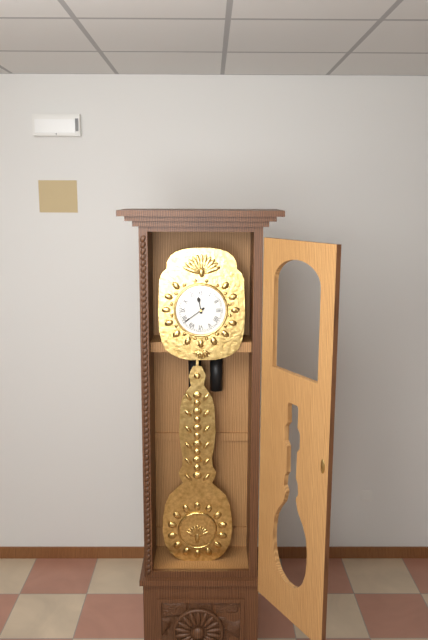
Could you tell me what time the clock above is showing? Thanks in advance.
11:39
